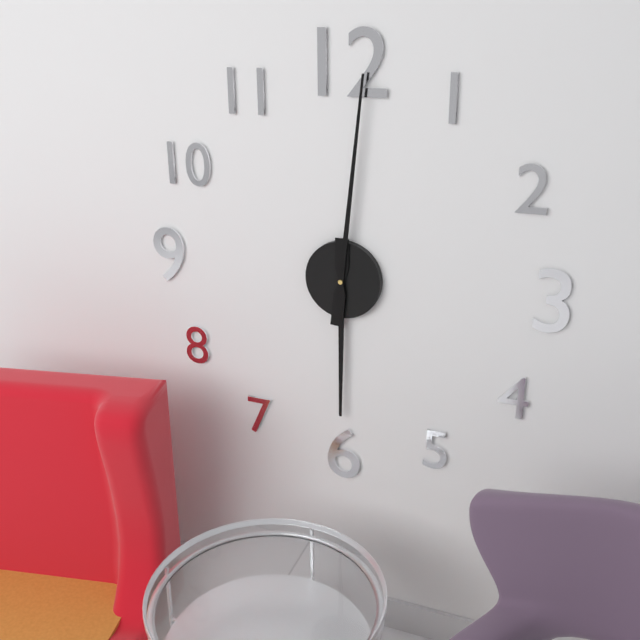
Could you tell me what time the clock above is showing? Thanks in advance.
6:01
